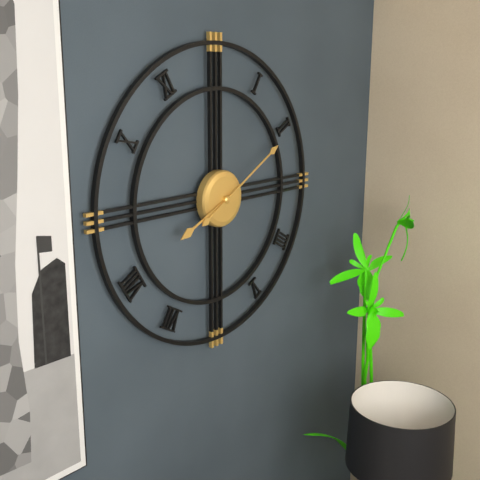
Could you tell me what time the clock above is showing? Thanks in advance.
8:10
